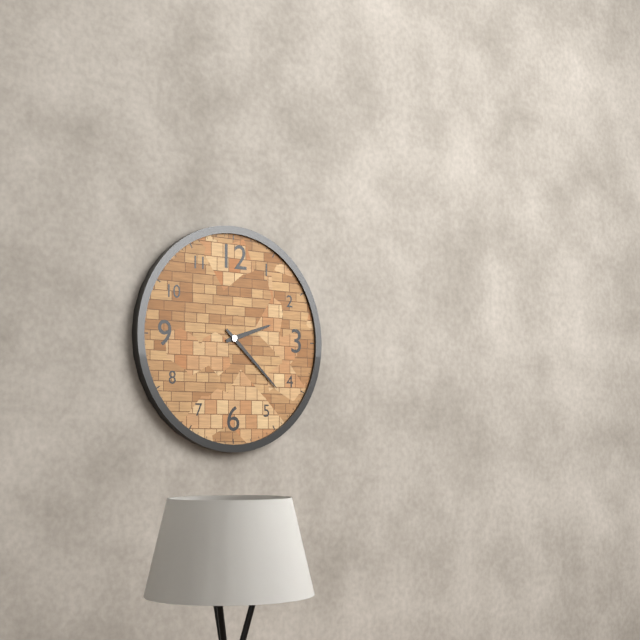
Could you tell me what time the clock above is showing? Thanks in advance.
2:22
